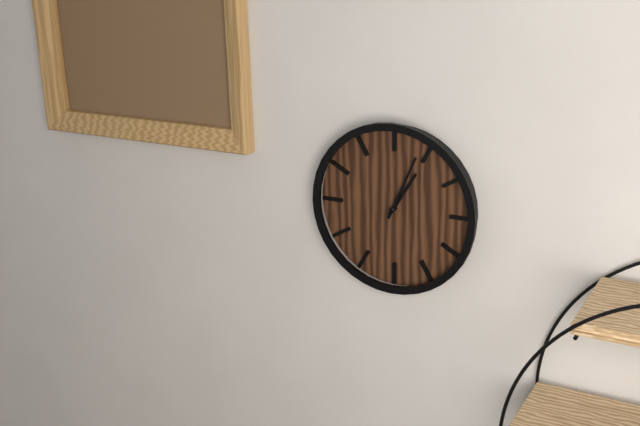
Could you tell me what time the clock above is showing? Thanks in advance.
1:04
